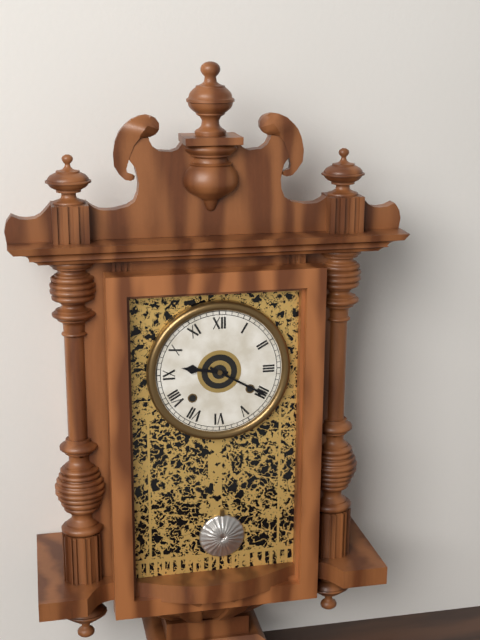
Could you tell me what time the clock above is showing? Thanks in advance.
9:20
